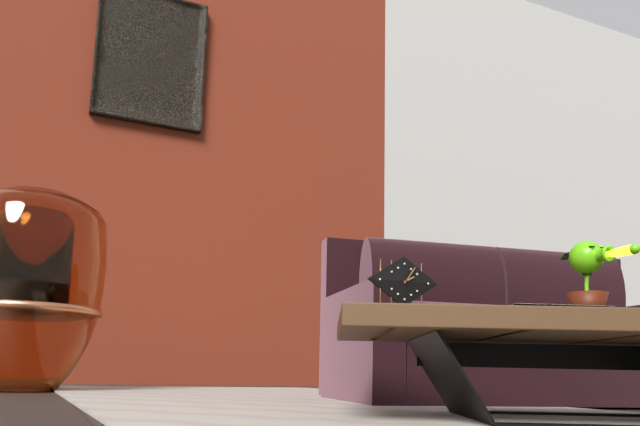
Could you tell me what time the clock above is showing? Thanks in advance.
2:06
